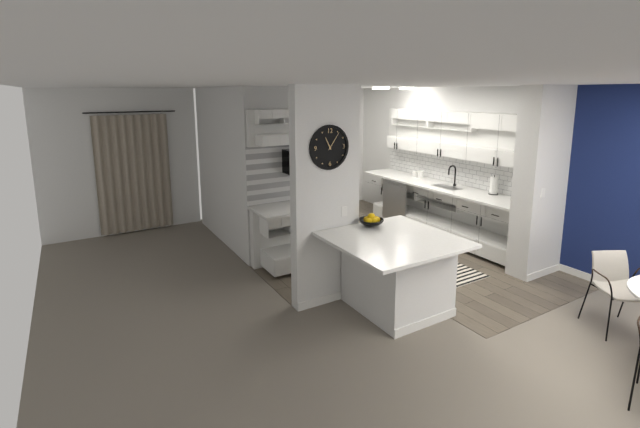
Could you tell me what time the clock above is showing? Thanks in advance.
11:06
